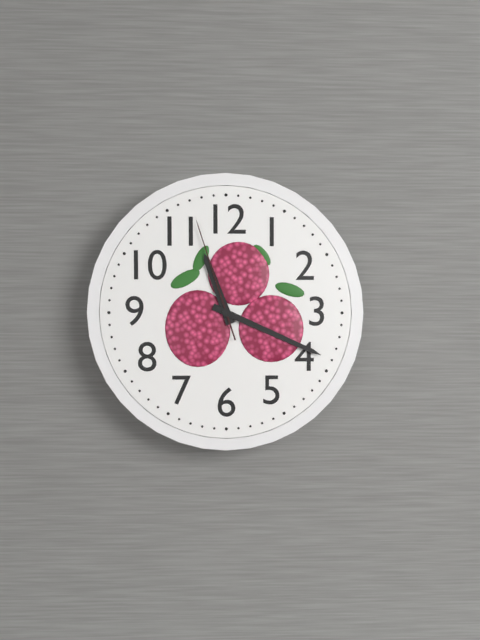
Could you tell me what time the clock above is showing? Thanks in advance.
11:19:57
